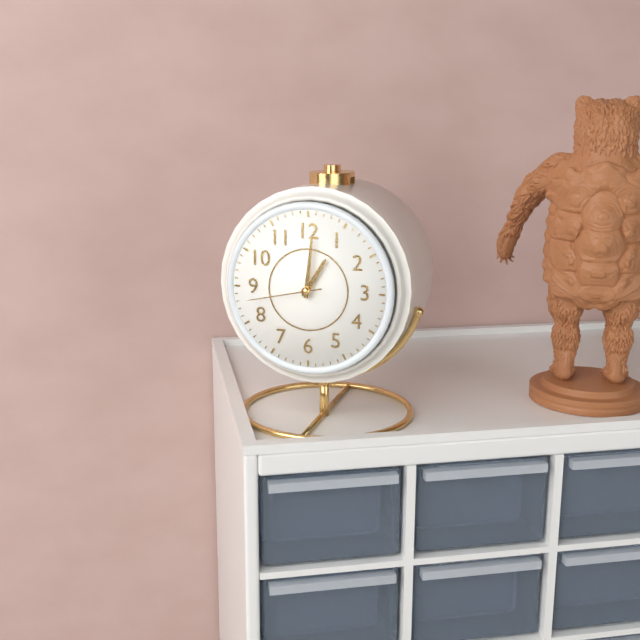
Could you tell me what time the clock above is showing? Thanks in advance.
1:01:43
